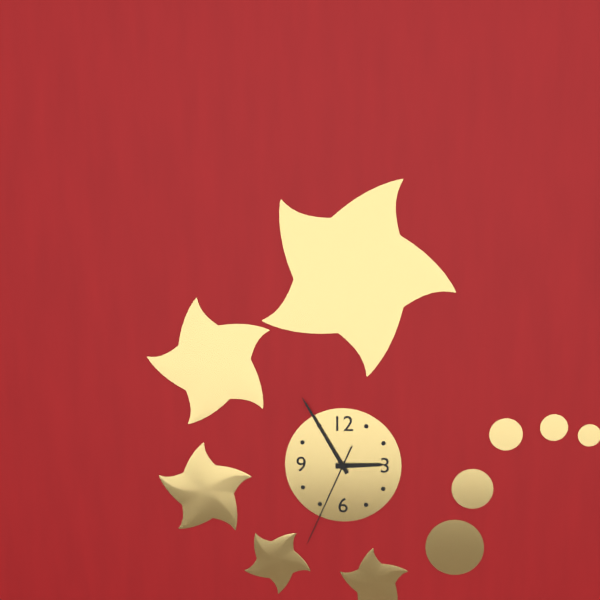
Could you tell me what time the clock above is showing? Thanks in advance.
2:55:34
